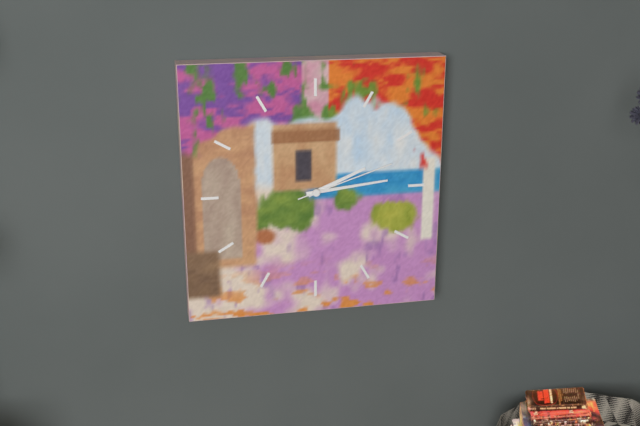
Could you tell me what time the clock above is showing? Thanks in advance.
2:14:12
